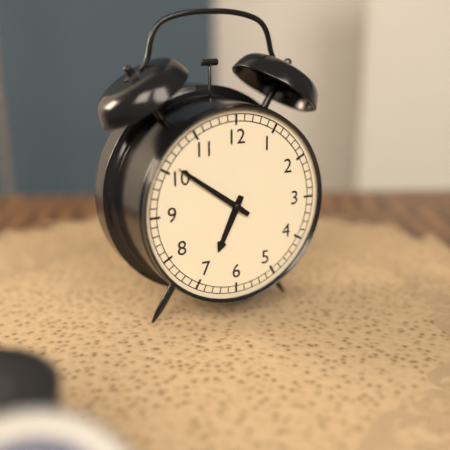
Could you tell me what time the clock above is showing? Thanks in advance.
6:51
